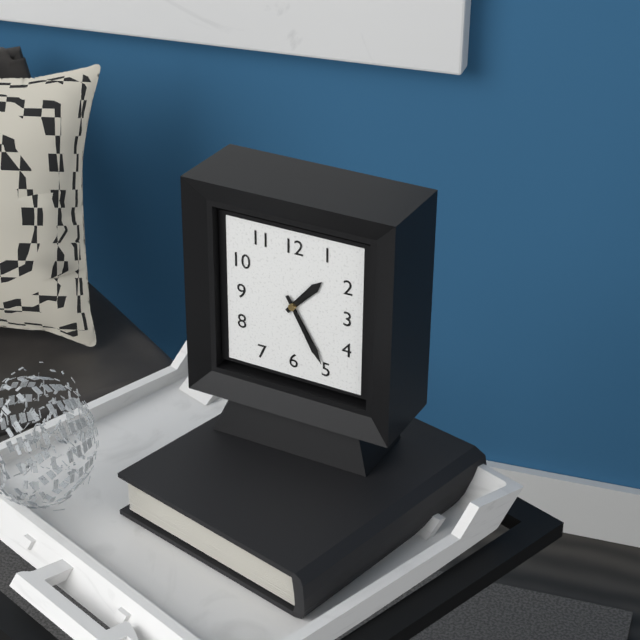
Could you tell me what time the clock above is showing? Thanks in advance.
1:25
